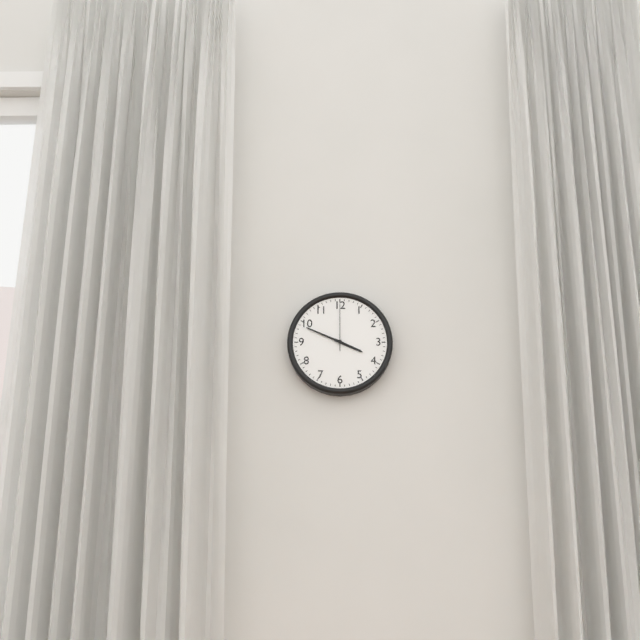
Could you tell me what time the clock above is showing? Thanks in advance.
3:49
